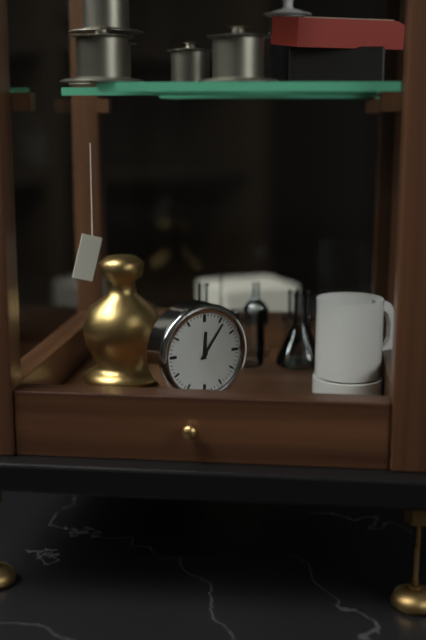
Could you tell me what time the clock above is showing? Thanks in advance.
12:06
